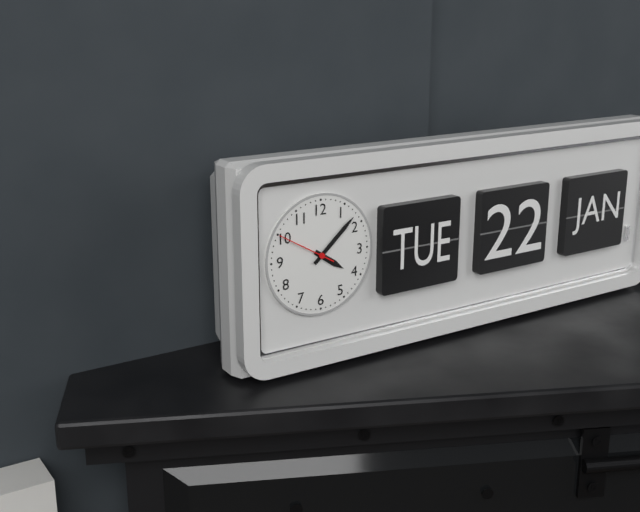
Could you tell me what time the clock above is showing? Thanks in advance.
4:08:50
